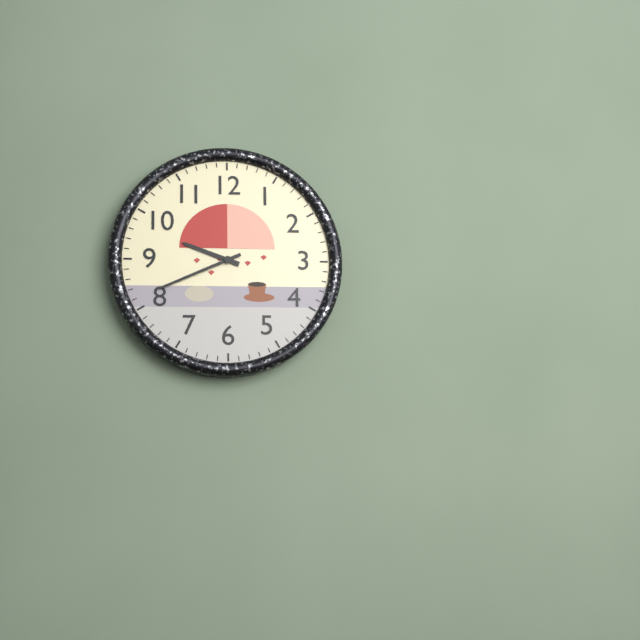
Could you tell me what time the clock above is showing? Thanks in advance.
9:41
